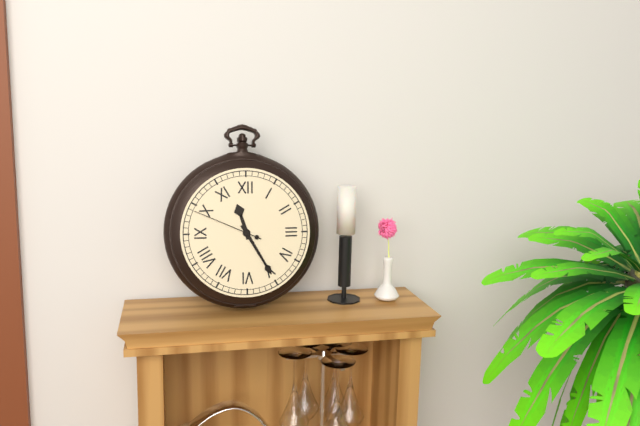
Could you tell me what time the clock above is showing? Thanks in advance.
11:25:49
